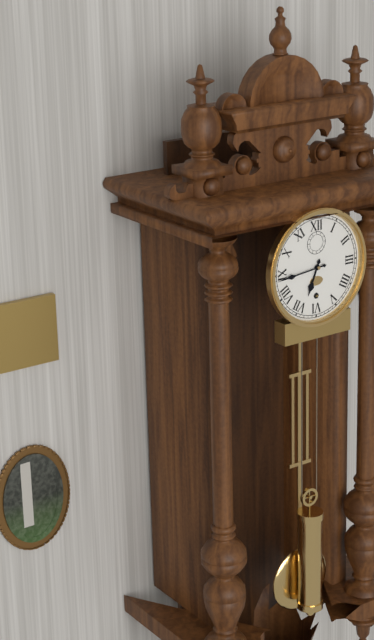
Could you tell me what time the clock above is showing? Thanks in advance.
6:44
